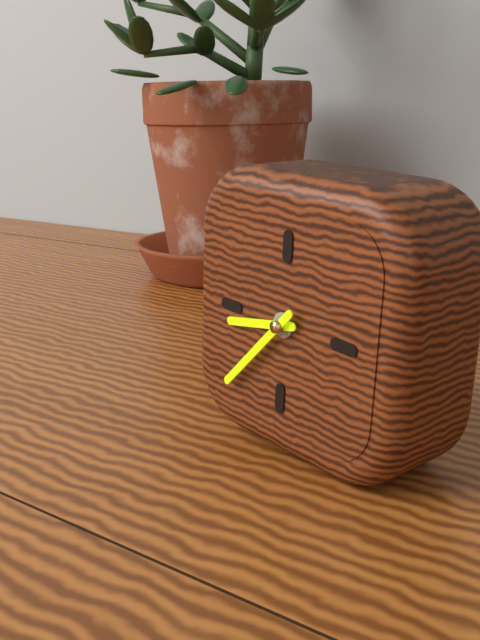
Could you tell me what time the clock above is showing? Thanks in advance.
8:37
